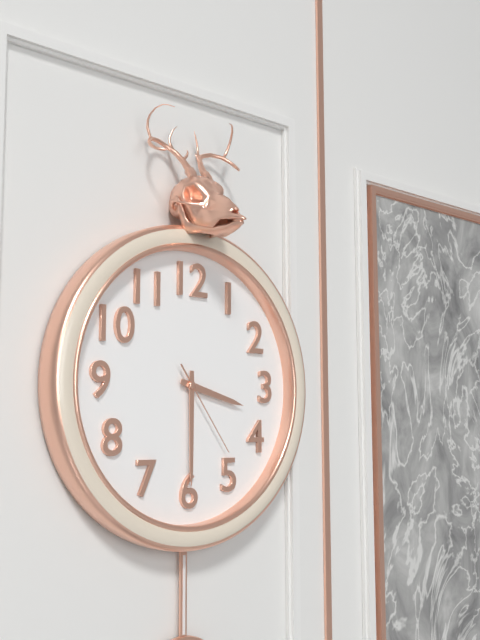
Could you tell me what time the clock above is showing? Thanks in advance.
3:30:24
